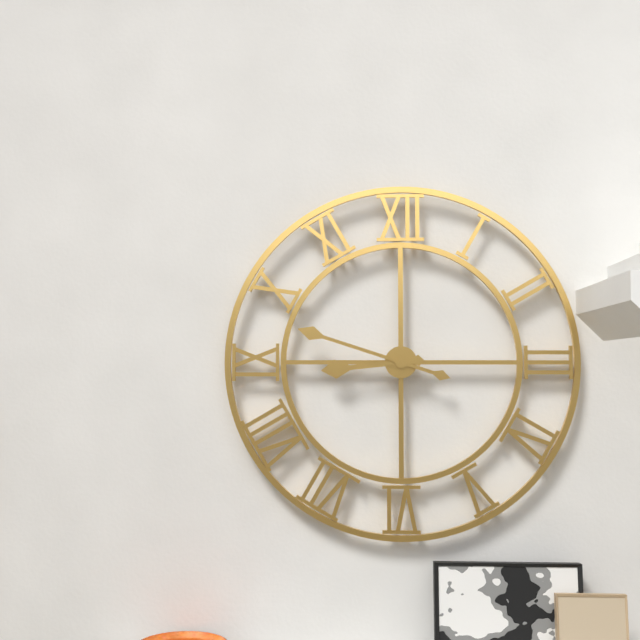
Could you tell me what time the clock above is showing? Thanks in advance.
8:48
